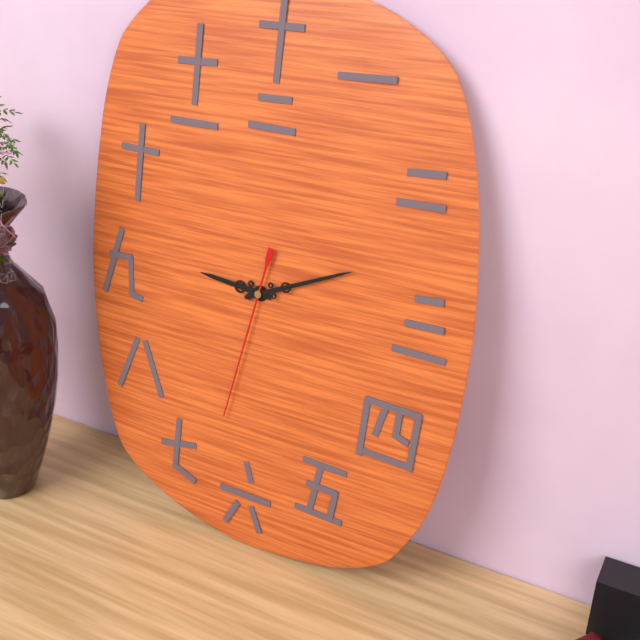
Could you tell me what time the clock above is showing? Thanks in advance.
9:11:32
